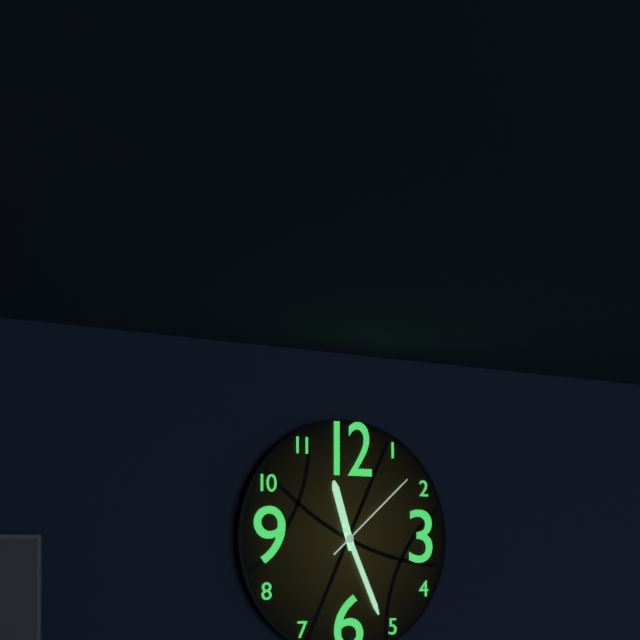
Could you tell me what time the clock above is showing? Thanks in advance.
11:26:08
